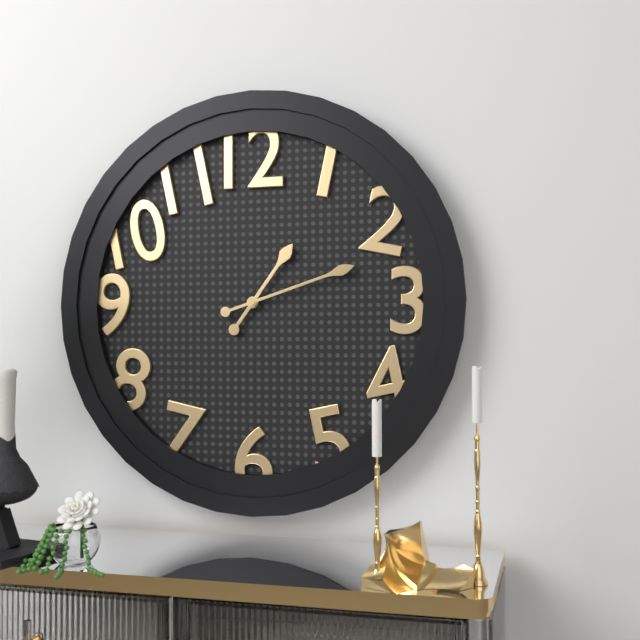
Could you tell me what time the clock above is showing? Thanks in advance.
1:12
